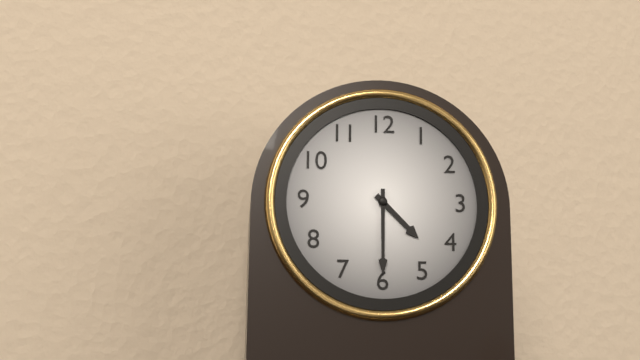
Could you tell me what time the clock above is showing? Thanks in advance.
4:30
